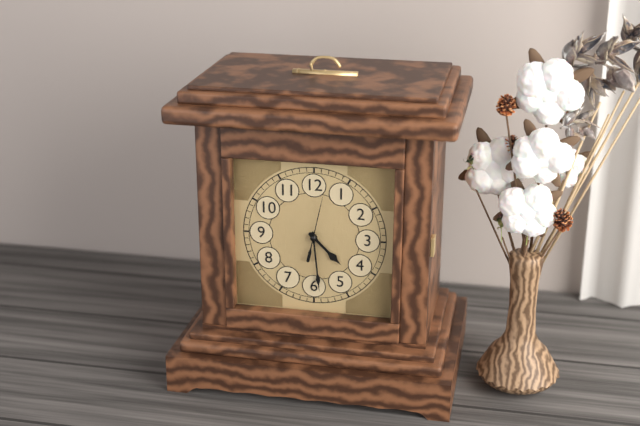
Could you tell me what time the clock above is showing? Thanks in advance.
4:29:02
